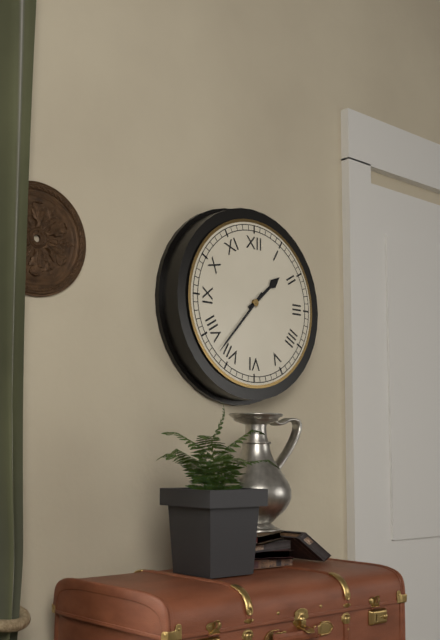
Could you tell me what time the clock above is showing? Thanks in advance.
1:37
